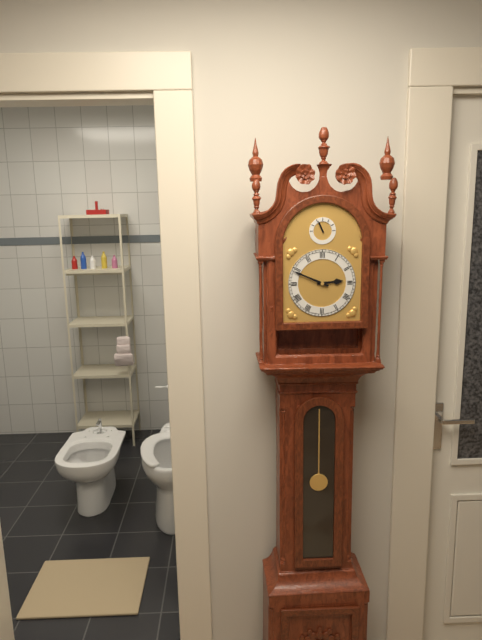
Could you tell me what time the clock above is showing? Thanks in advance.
2:49
